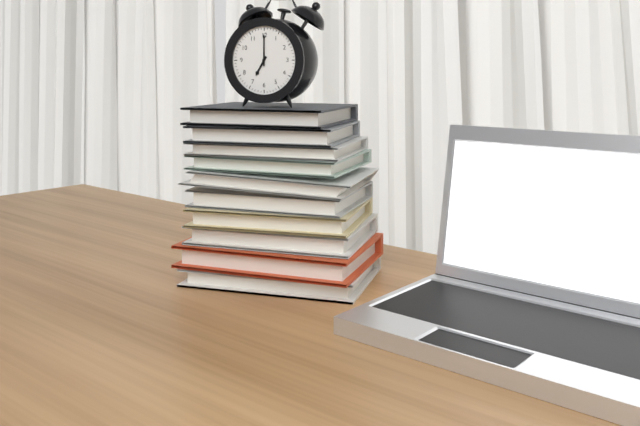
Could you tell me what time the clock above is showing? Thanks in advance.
7:00
